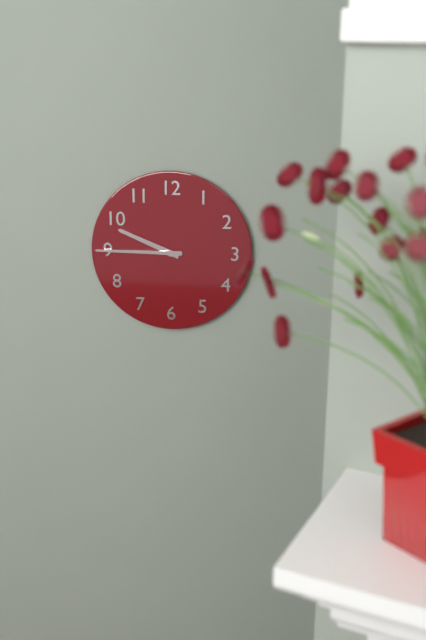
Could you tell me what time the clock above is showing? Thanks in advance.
9:45
